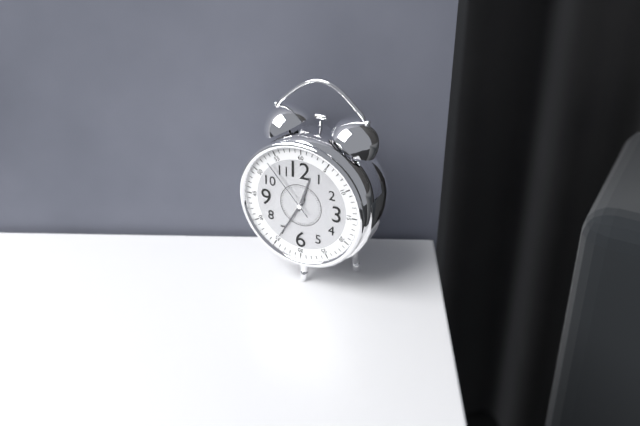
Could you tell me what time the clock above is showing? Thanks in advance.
12:35:53
